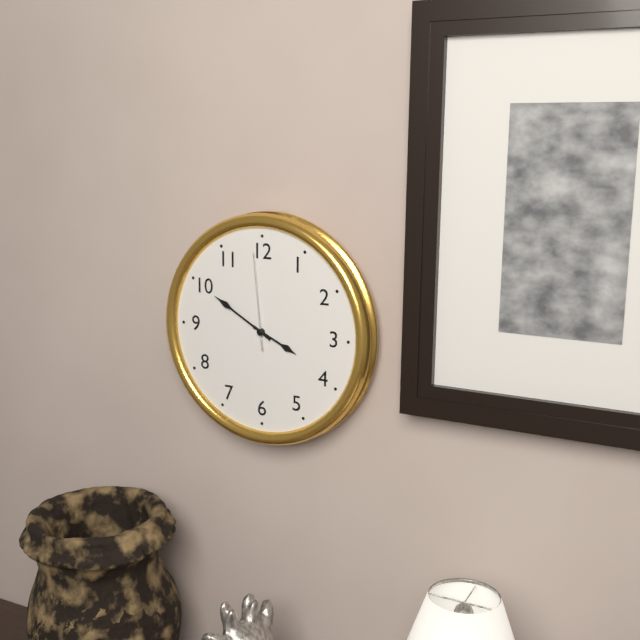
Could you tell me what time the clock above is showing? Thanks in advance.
3:50:59
